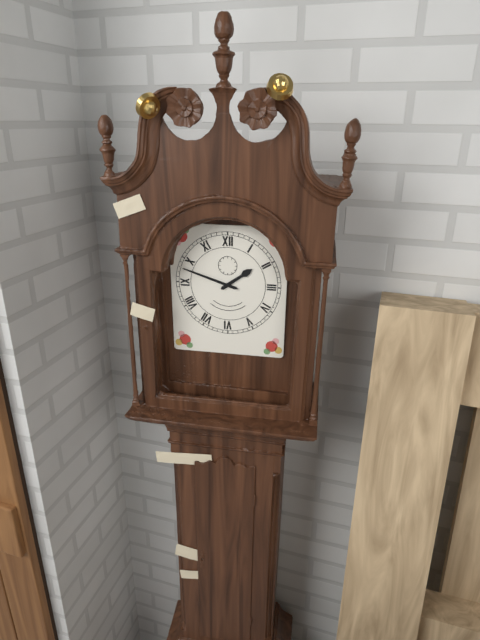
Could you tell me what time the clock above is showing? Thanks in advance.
1:48
